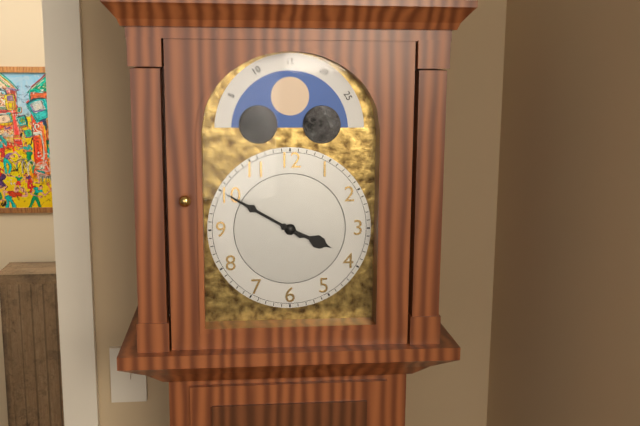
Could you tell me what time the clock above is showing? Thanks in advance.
3:50
